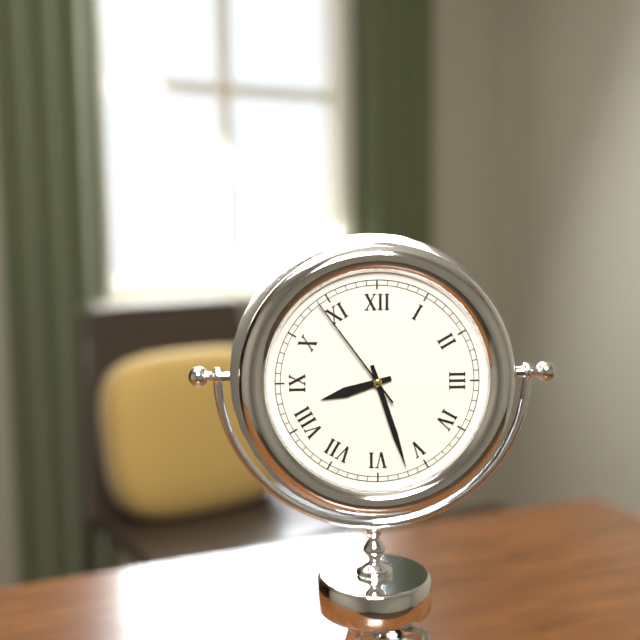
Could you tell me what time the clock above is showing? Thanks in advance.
8:27:54
